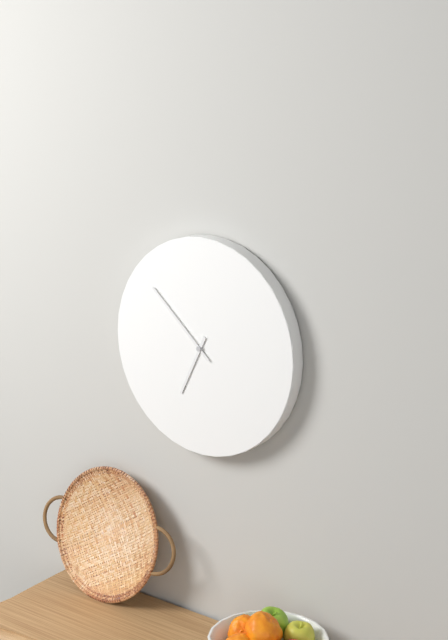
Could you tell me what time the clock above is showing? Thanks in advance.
6:52
